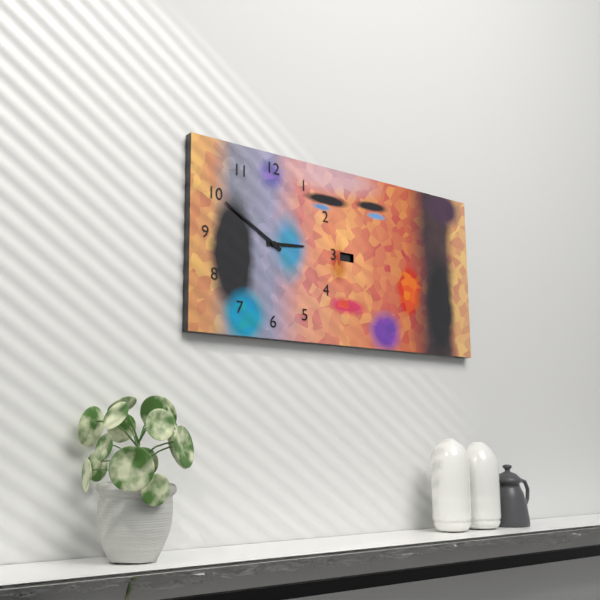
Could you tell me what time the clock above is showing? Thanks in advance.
2:50
